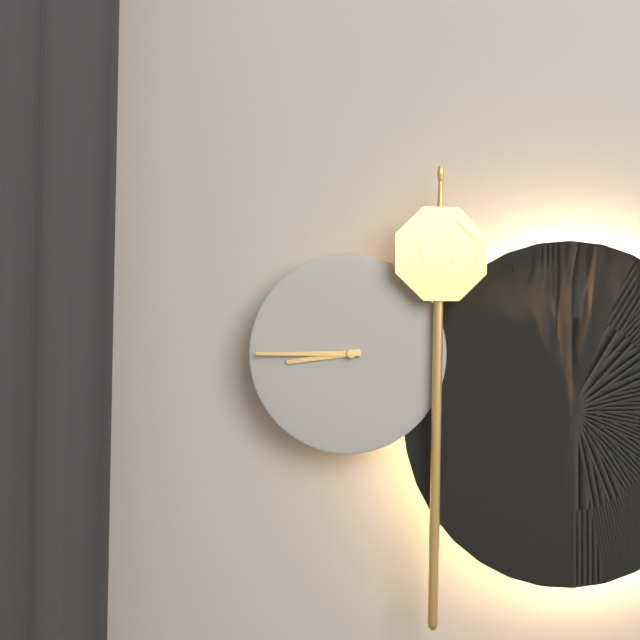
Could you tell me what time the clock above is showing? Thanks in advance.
8:45
